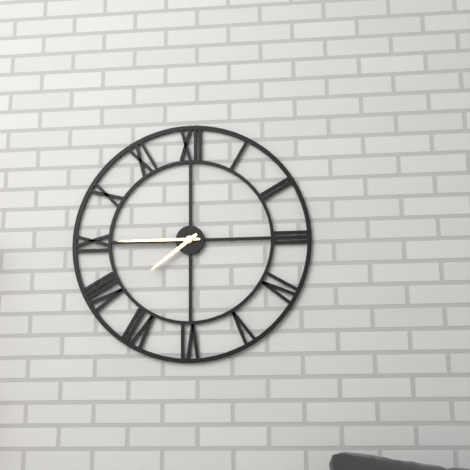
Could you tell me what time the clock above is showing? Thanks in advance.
7:45
